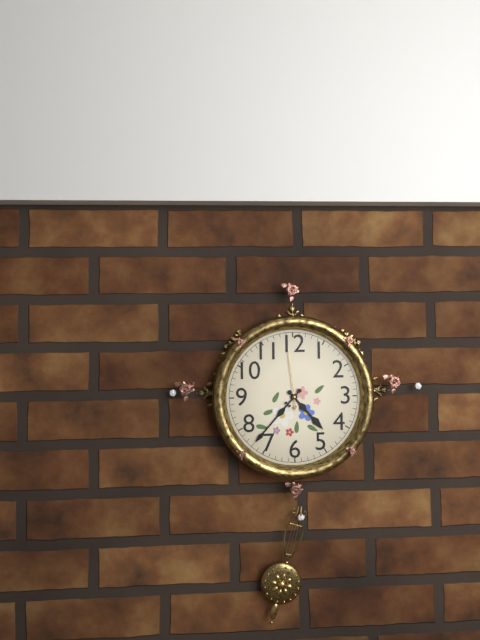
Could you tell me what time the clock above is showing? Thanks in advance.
4:37:59
